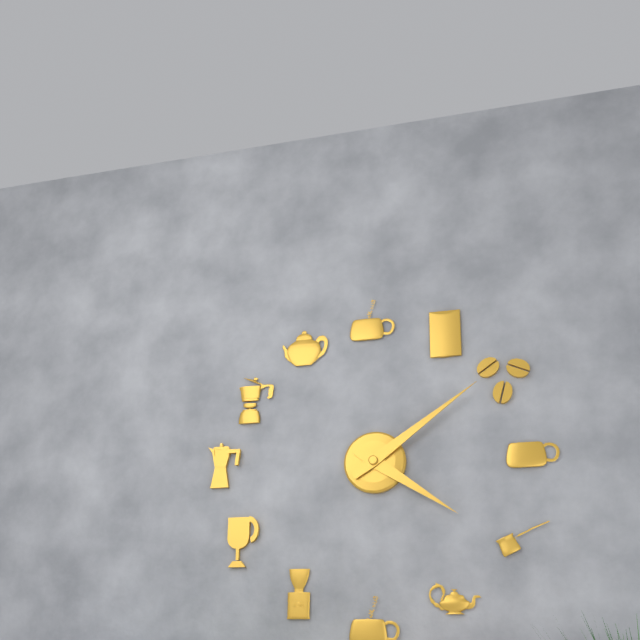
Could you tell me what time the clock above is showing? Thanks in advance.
4:09
